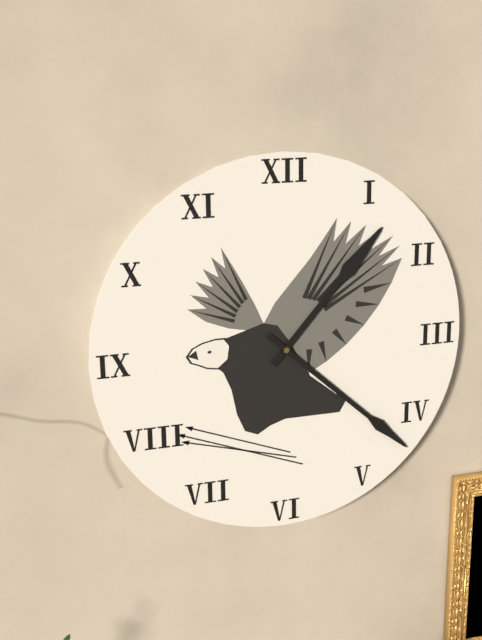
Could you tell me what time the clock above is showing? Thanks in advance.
1:22
